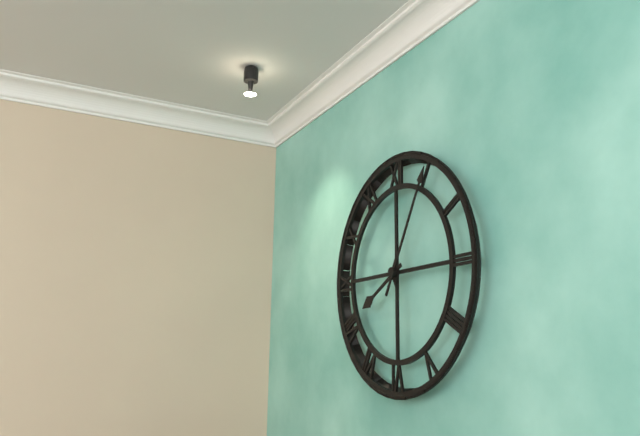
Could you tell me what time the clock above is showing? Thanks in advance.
8:05
